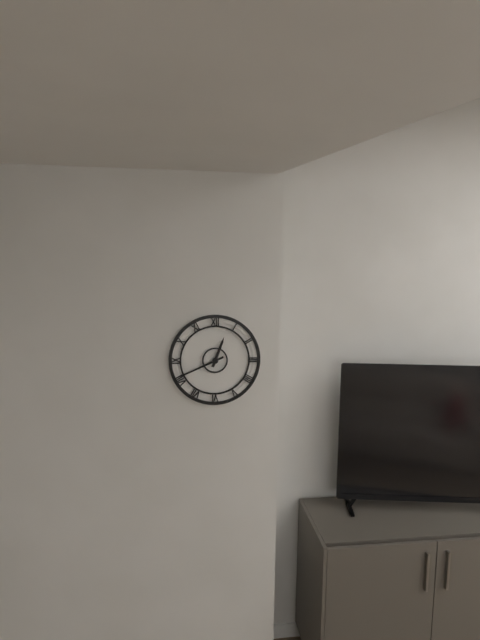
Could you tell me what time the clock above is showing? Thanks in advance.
12:41
